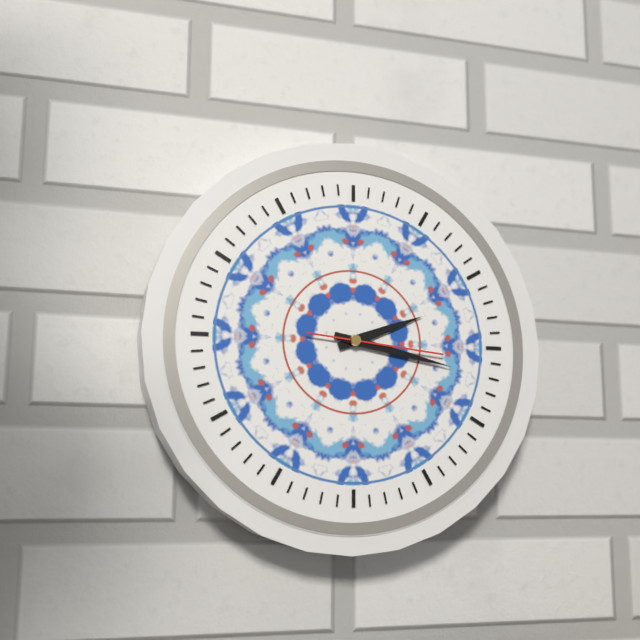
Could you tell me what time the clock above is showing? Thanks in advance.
2:17:16
